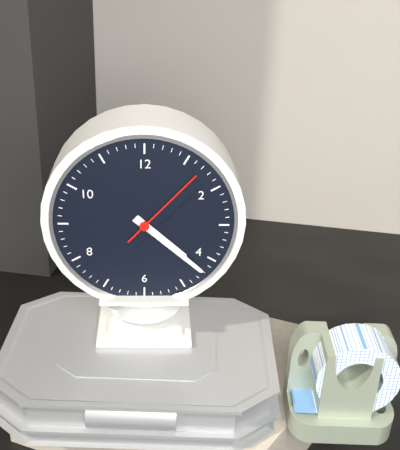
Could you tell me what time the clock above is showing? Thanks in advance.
4:22:07
